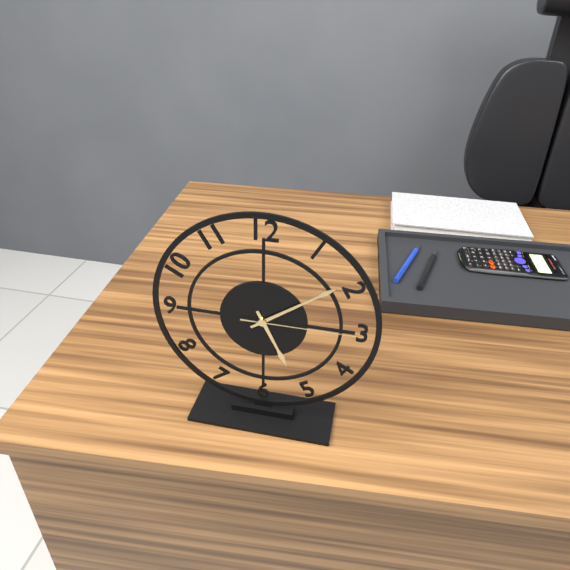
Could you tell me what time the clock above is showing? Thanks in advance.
5:09:15
